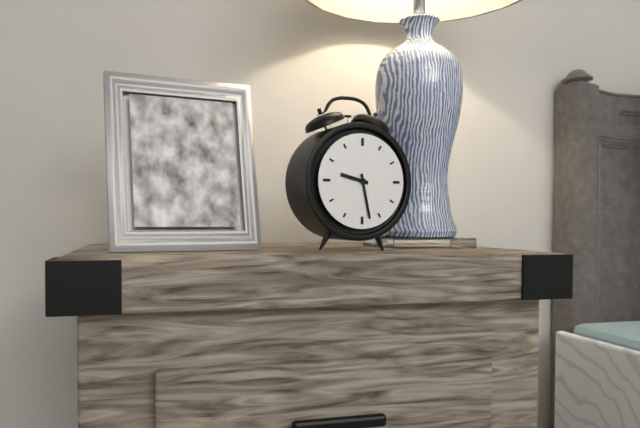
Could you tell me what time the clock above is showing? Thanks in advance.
9:28
